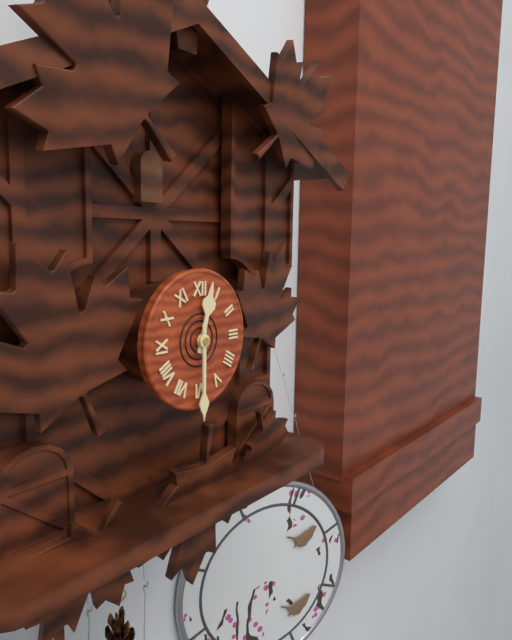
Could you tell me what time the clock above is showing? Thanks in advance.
12:30
